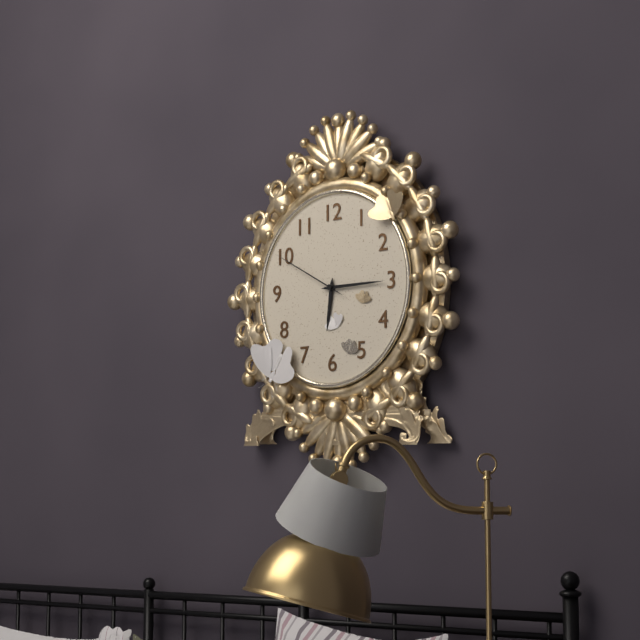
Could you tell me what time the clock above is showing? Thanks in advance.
6:15:50
